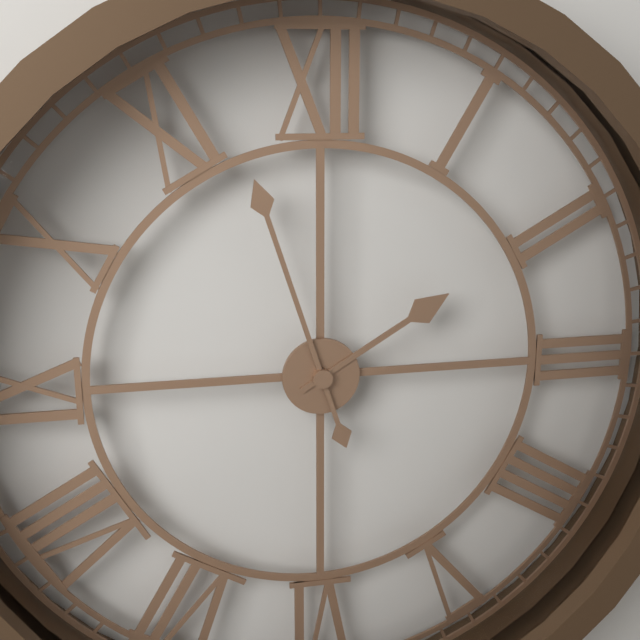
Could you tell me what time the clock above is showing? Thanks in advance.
1:57
